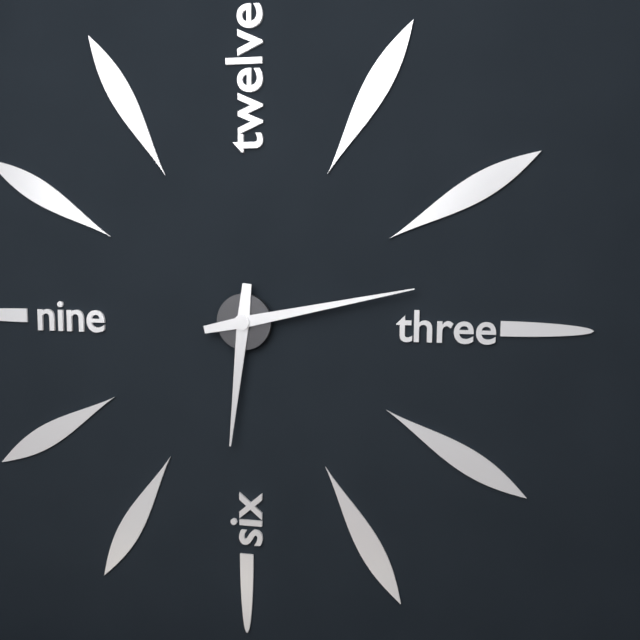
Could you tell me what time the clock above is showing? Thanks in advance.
6:13
